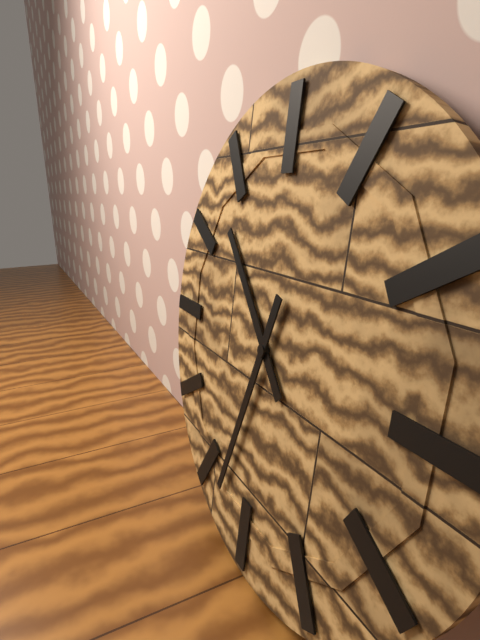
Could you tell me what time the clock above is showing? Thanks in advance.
10:33
